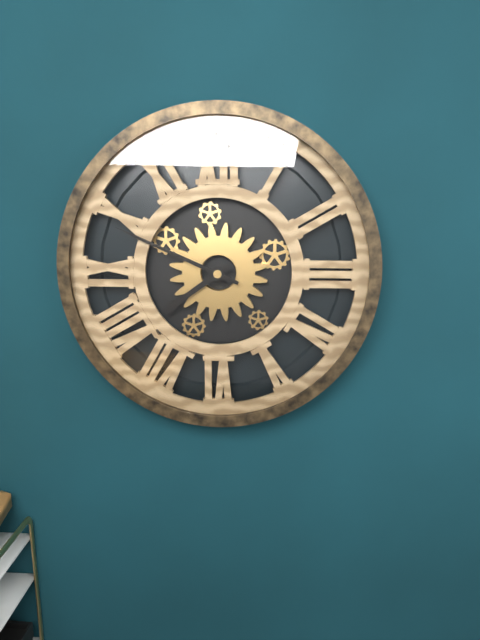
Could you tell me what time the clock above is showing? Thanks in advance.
7:49
